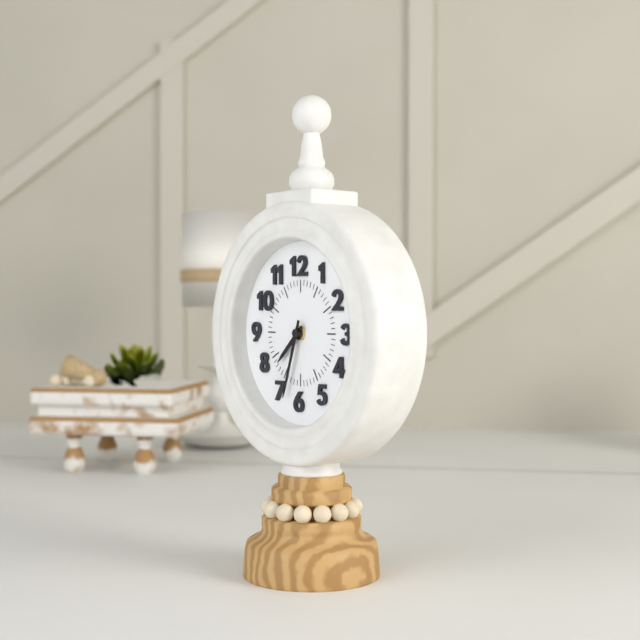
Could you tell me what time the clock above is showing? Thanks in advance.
7:33
